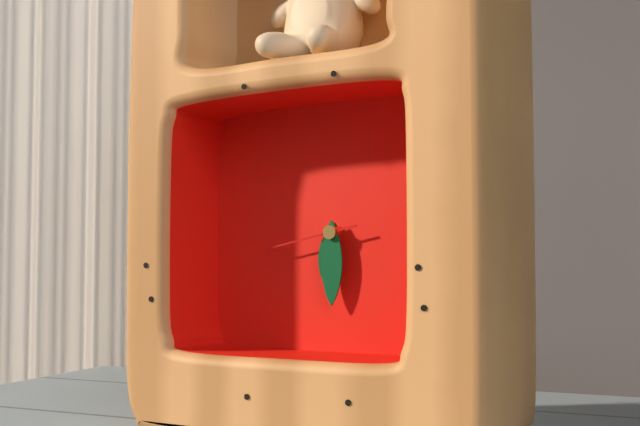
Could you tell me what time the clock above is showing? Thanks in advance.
6:30:43
